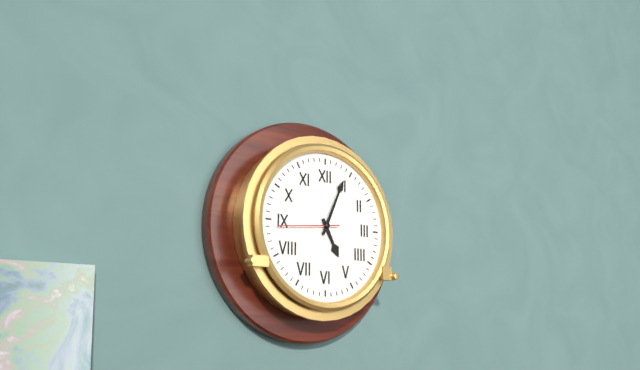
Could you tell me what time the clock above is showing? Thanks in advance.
5:04:44
